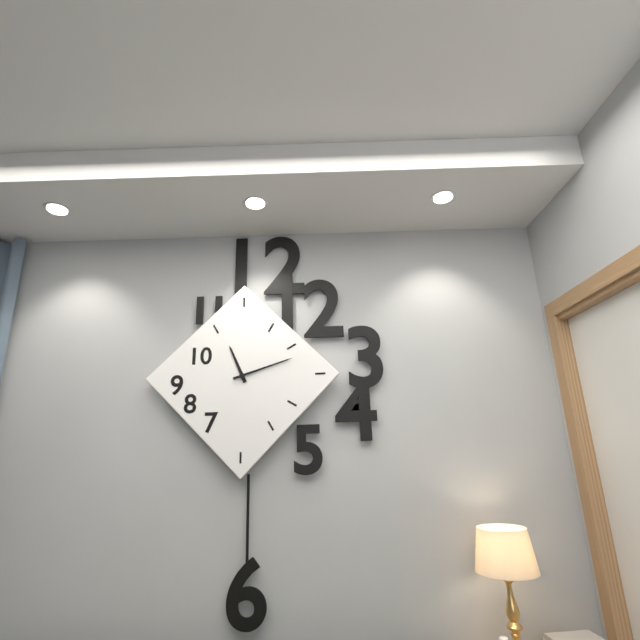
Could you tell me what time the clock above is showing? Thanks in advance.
11:12
